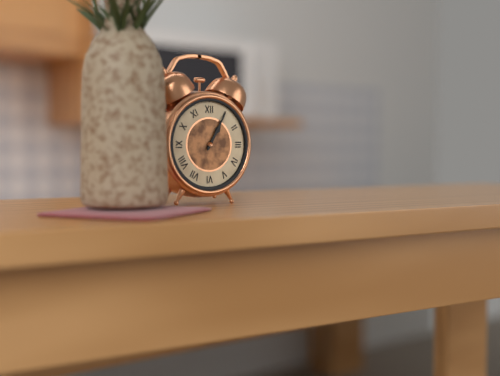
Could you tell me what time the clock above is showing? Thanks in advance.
1:05
